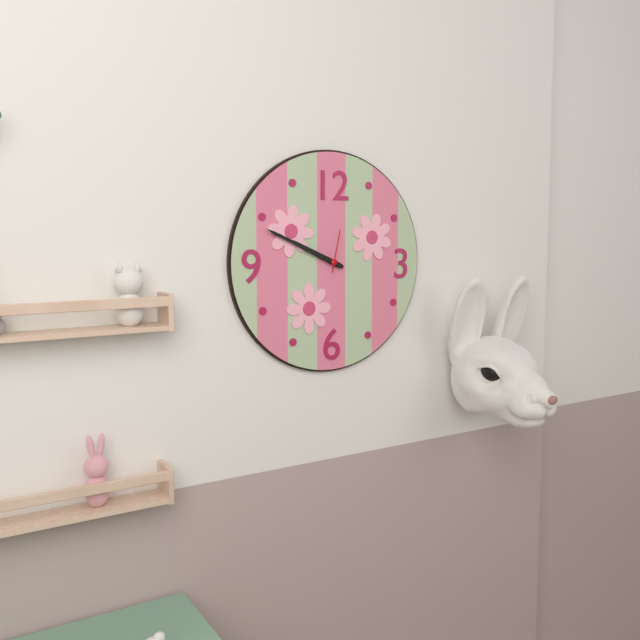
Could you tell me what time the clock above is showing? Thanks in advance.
9:49
